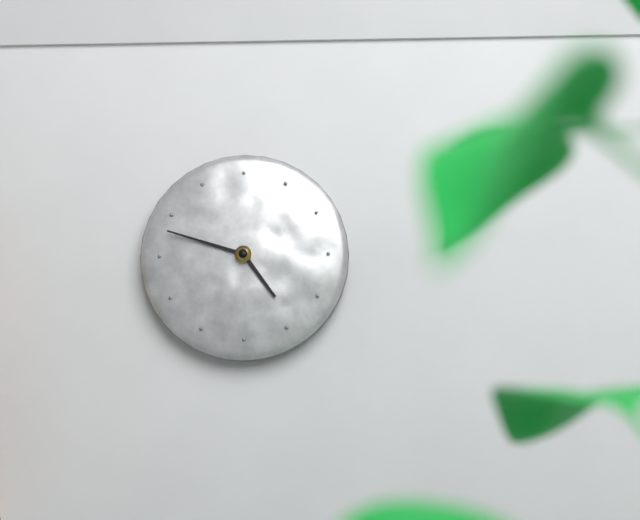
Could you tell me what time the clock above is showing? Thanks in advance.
4:48
